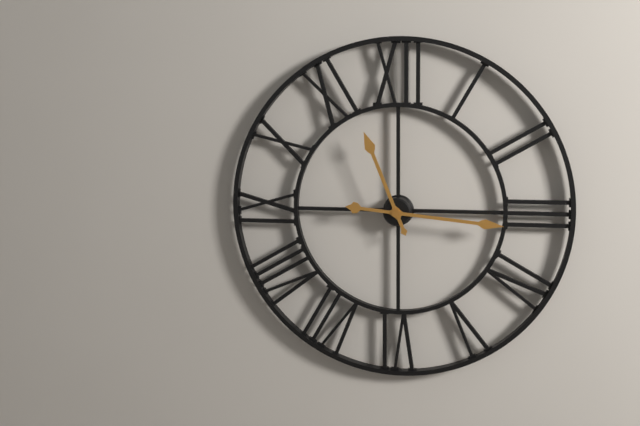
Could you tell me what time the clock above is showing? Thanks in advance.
11:16
